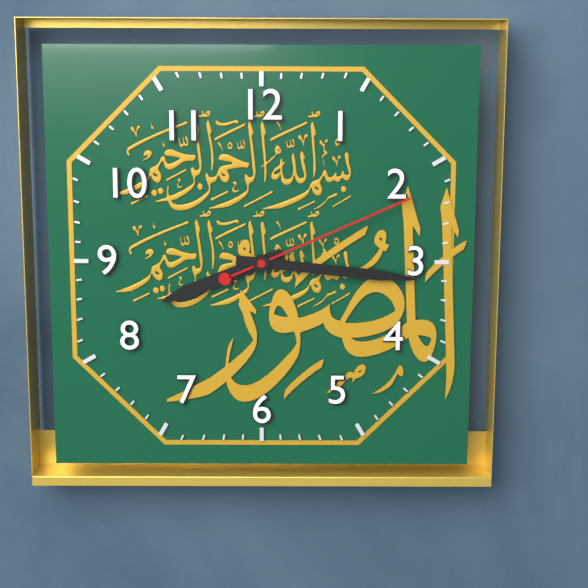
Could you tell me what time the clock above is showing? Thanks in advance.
8:16:11
